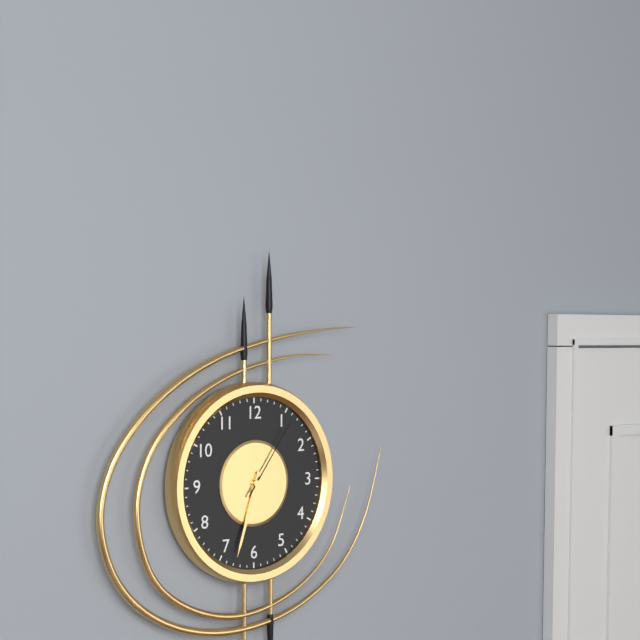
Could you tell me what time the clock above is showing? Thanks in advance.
6:33:06
